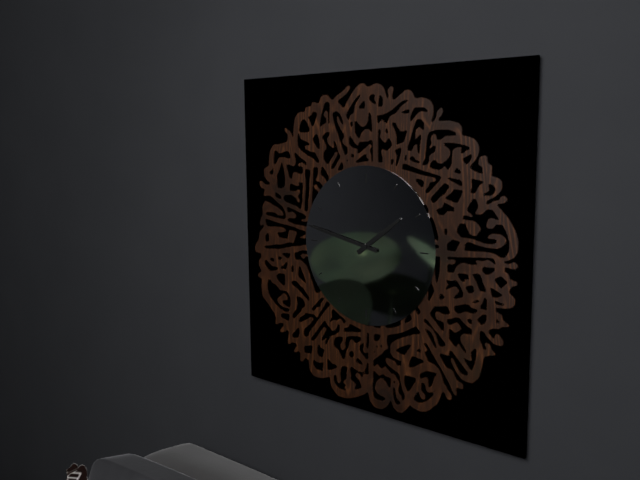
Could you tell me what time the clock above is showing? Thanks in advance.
1:47
